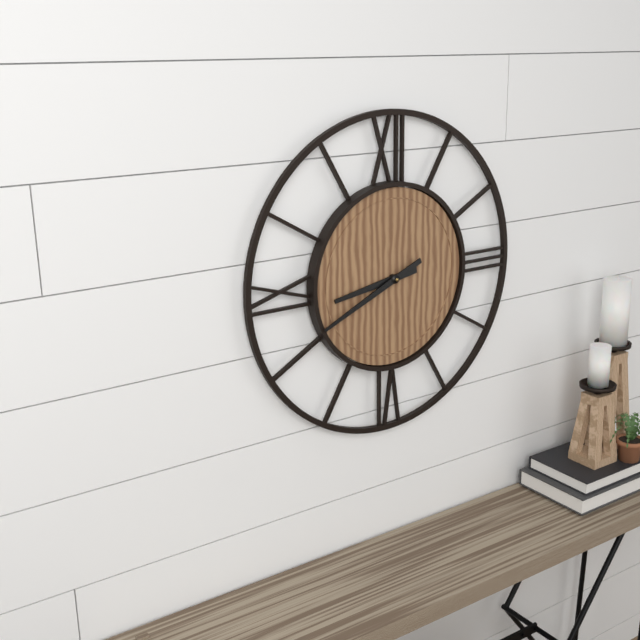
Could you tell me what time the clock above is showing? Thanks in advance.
8:41
